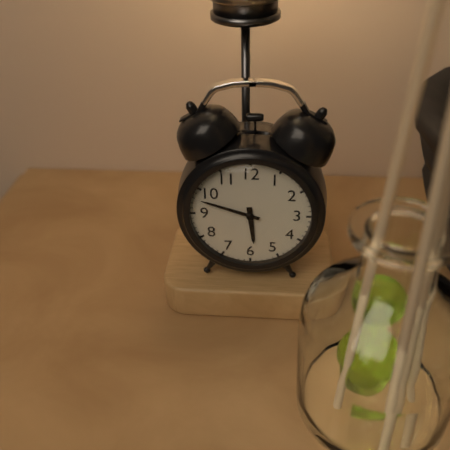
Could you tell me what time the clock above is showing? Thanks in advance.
5:48
